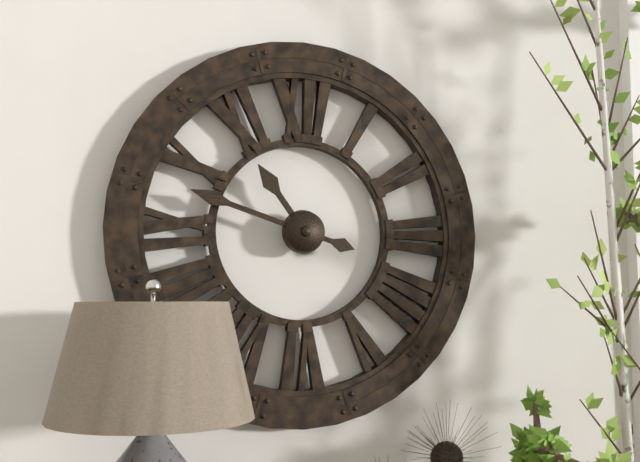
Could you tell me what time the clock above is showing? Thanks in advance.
10:48
